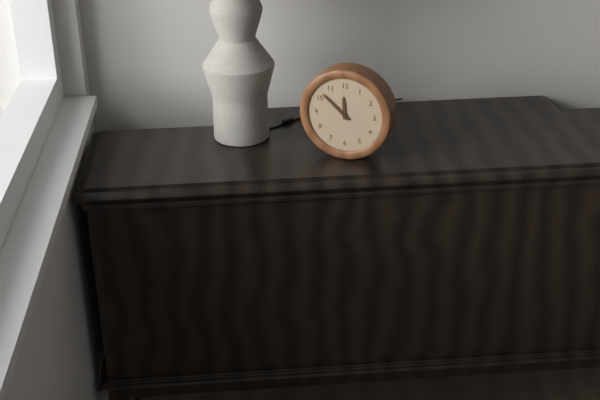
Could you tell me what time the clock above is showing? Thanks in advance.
11:52
